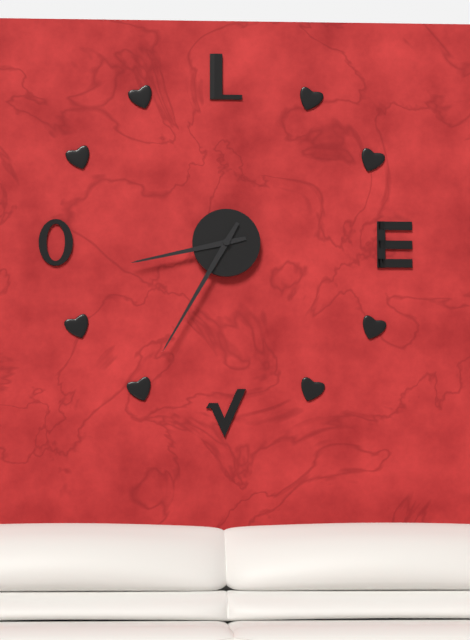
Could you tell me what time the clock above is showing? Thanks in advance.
8:35
